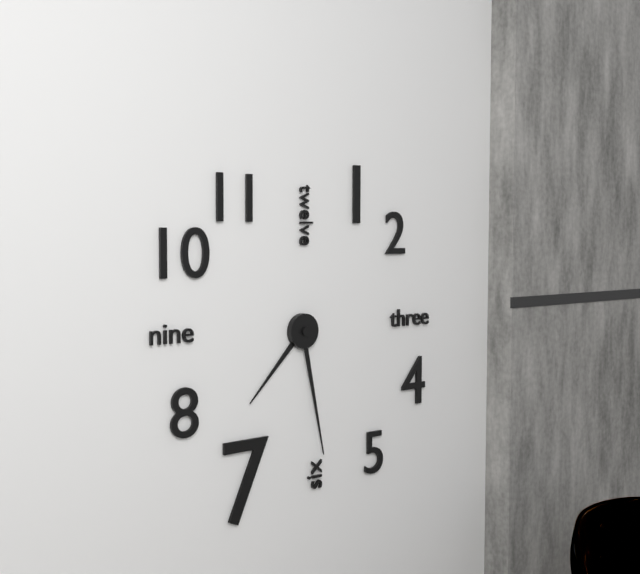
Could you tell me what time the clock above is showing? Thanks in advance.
7:28
